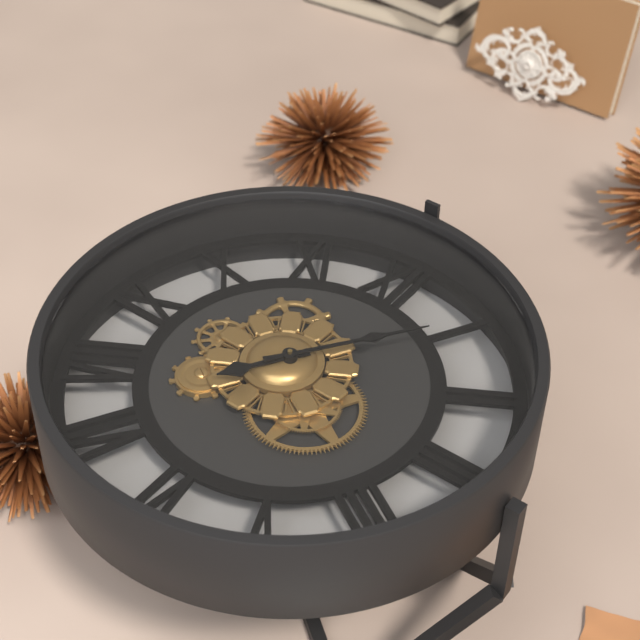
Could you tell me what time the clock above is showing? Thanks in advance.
7:06
